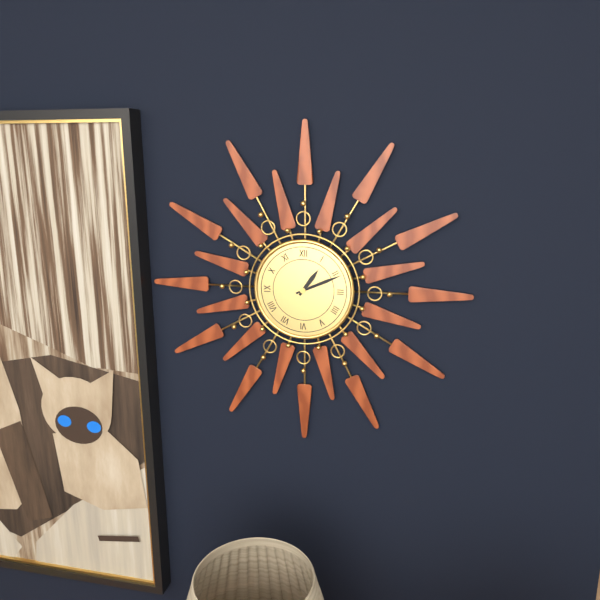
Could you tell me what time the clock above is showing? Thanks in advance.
1:11
